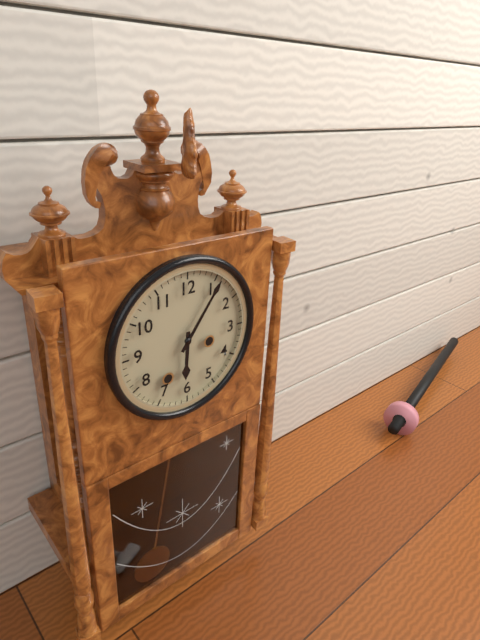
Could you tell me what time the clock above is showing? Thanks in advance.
6:06
